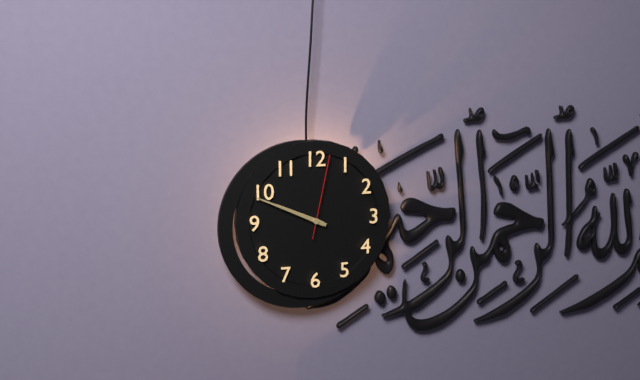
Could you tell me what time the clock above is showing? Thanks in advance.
9:49:02
